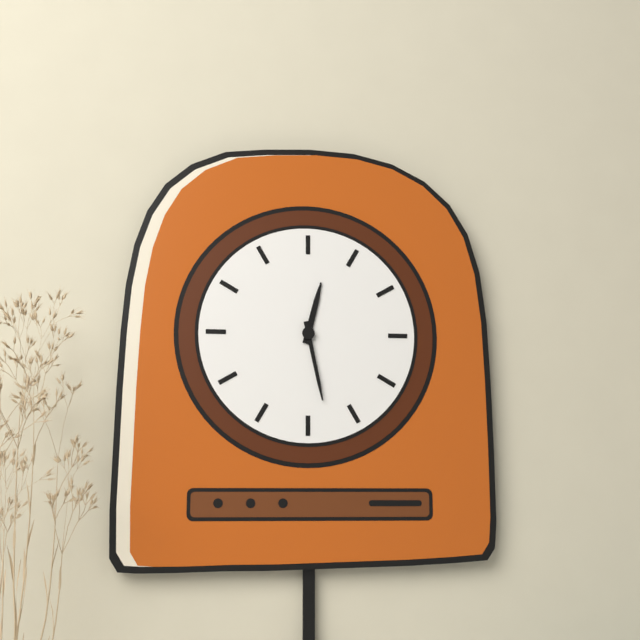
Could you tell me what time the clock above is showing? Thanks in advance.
12:28
